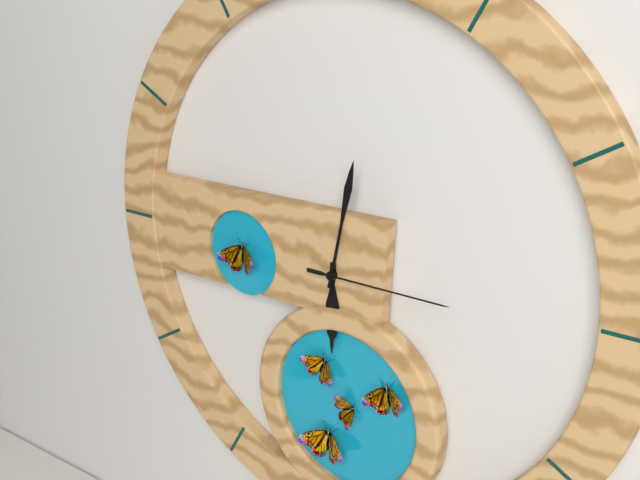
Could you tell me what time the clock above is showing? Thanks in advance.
6:02:15
